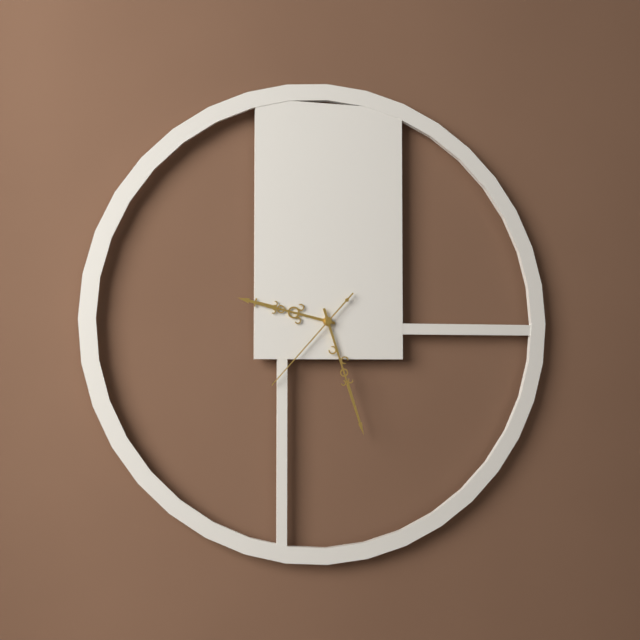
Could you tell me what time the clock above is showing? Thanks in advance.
9:27:37
